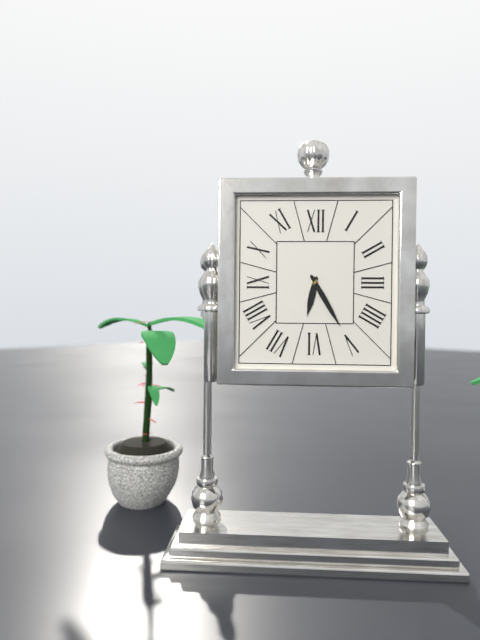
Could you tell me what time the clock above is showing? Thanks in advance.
6:25
